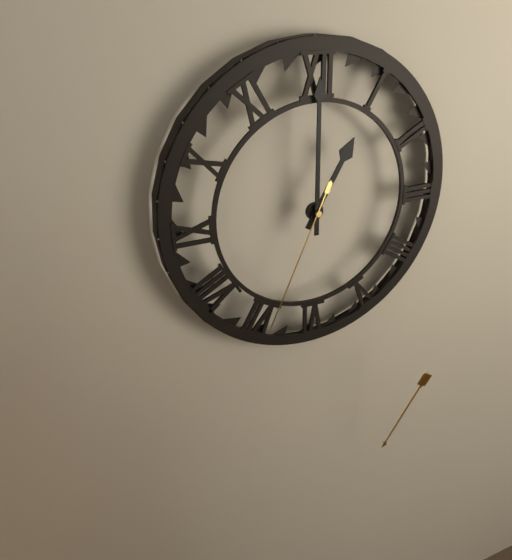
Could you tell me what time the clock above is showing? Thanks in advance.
1:00:34
